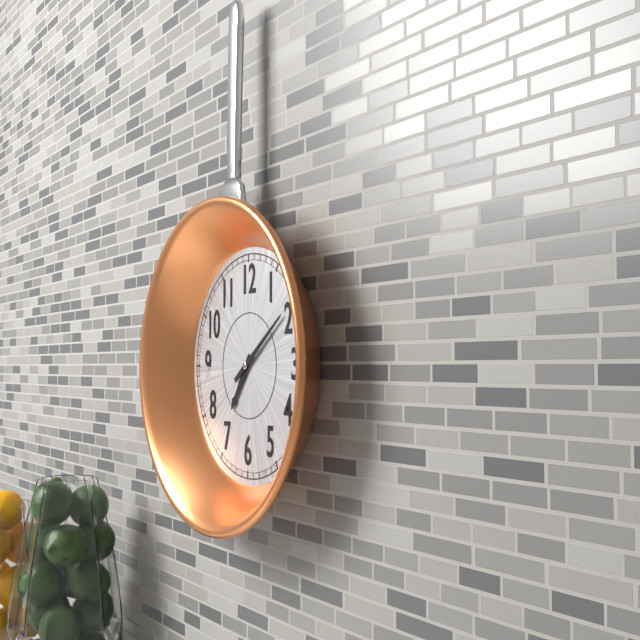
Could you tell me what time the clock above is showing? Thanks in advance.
7:09
